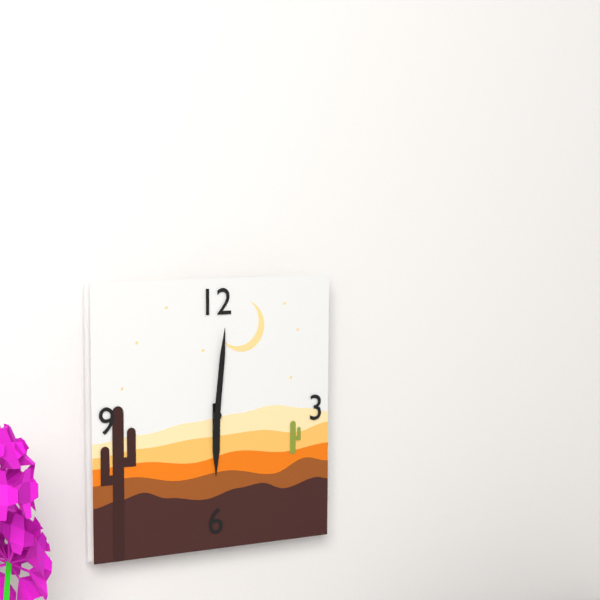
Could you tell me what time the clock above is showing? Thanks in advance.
6:01
